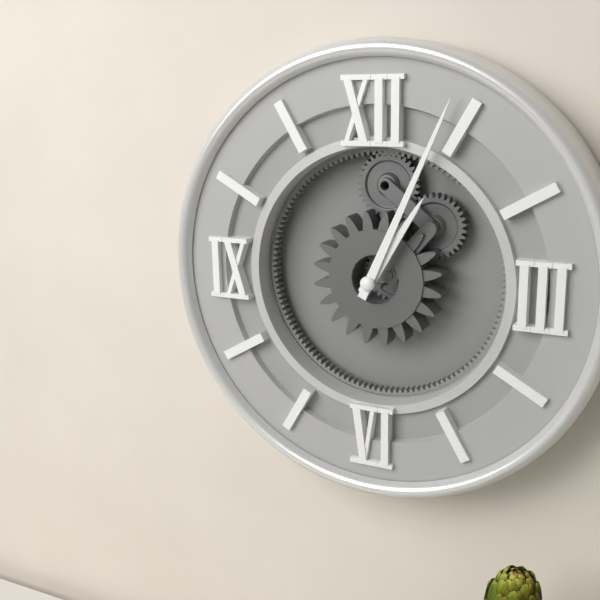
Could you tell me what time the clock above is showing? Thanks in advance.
1:04
